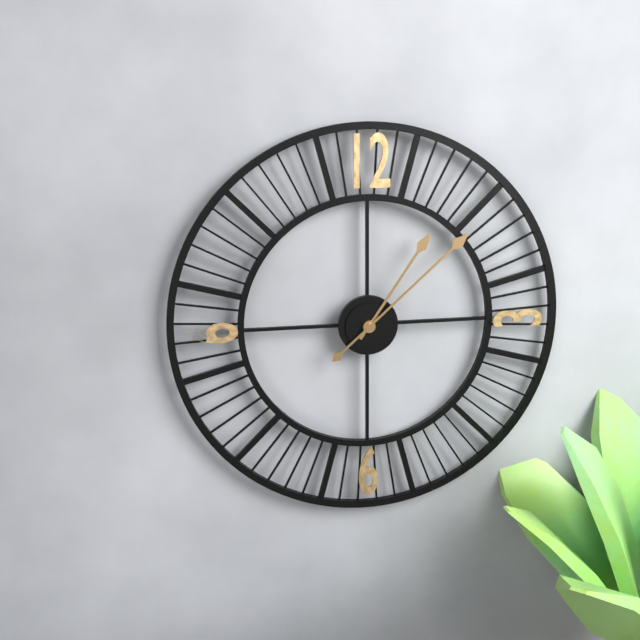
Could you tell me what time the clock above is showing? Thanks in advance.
1:08
